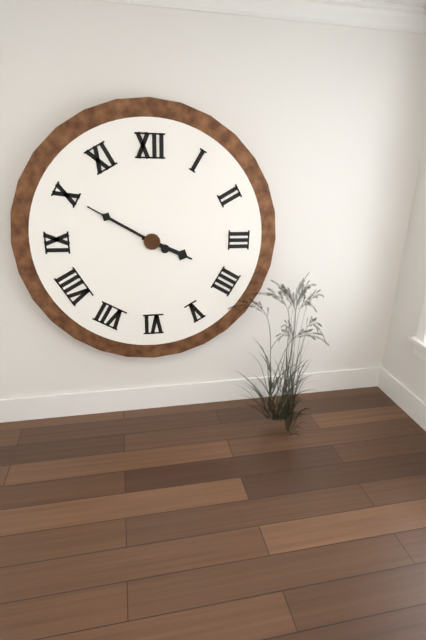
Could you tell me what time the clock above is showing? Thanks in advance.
3:50
